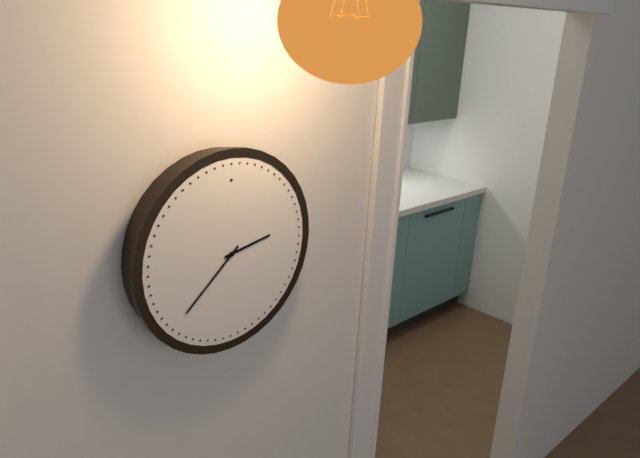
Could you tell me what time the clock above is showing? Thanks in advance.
2:38
